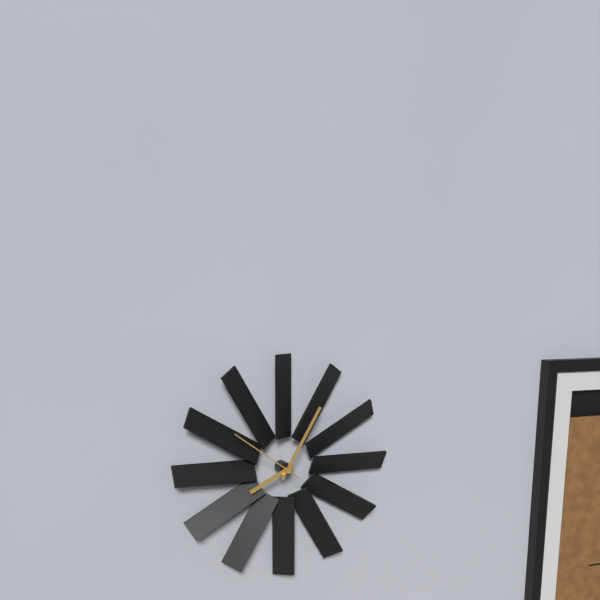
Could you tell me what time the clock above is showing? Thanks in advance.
8:05:51
